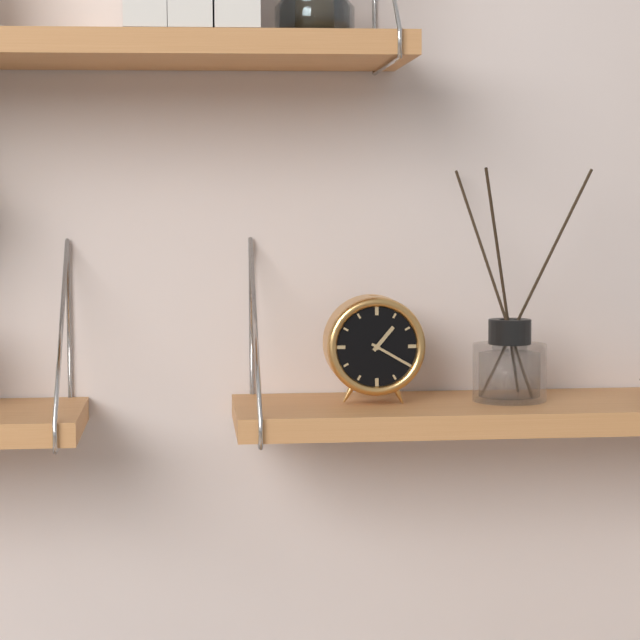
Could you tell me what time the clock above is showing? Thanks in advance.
1:20
